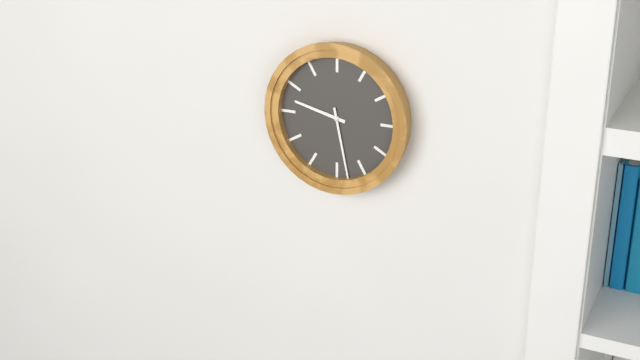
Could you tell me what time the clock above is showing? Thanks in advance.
9:28
